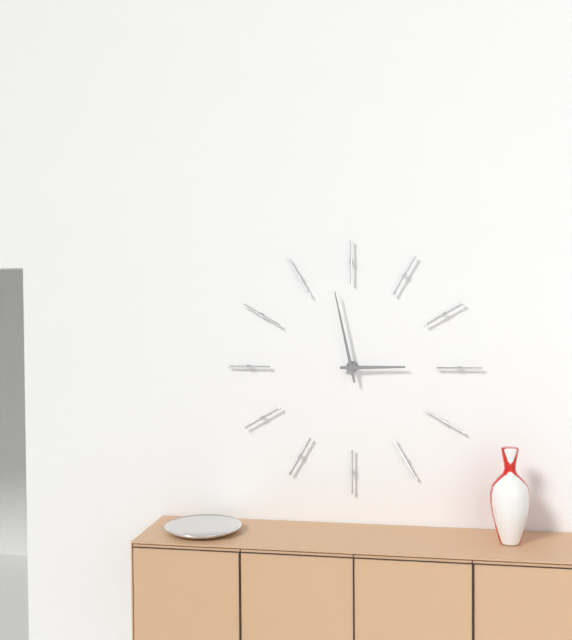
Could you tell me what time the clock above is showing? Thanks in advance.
2:58
